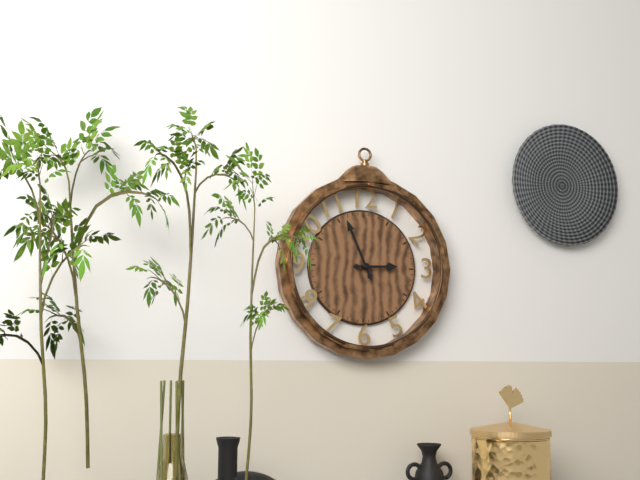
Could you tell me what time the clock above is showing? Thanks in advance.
2:56
